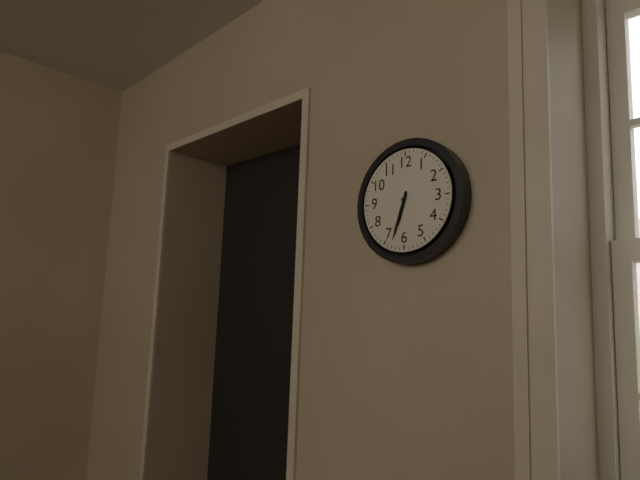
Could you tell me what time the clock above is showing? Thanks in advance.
6:33
